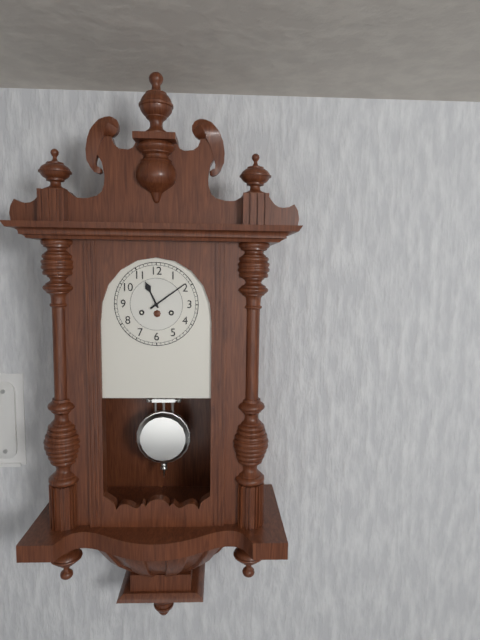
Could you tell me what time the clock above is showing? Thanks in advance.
11:09
